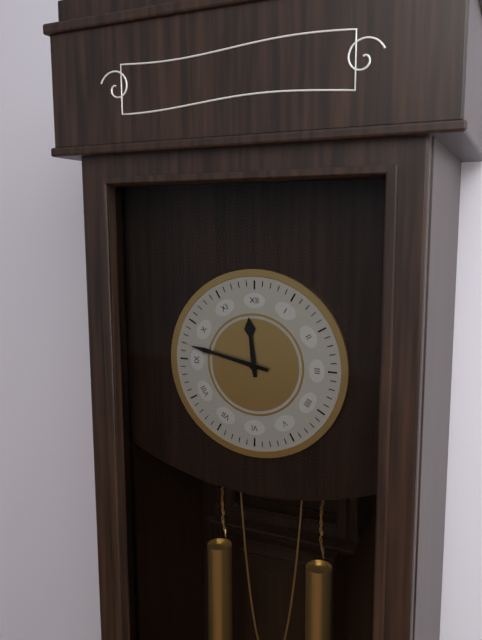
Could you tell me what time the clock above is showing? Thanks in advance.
11:47
